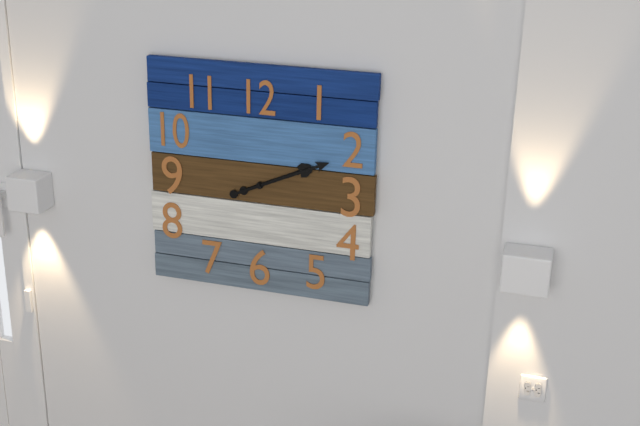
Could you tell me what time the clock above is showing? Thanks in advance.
2:11
